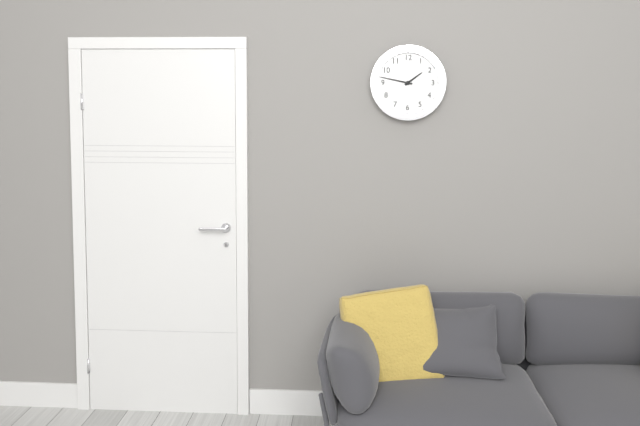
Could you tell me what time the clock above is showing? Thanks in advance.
1:47
